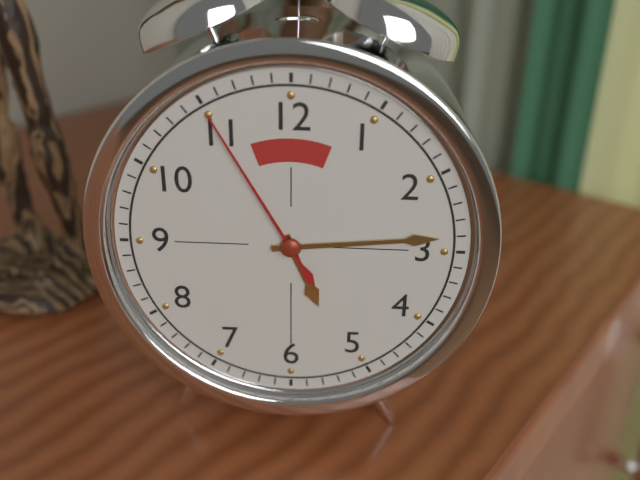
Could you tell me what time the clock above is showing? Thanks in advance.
5:14:55
